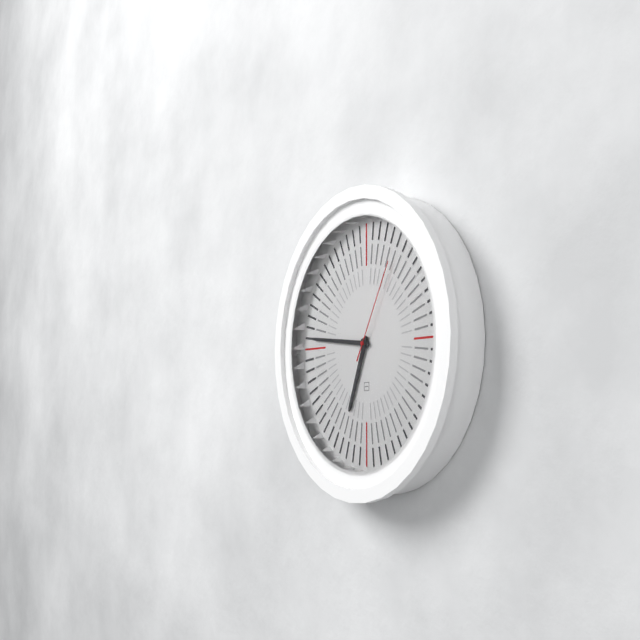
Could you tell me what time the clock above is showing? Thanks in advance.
6:46:05
